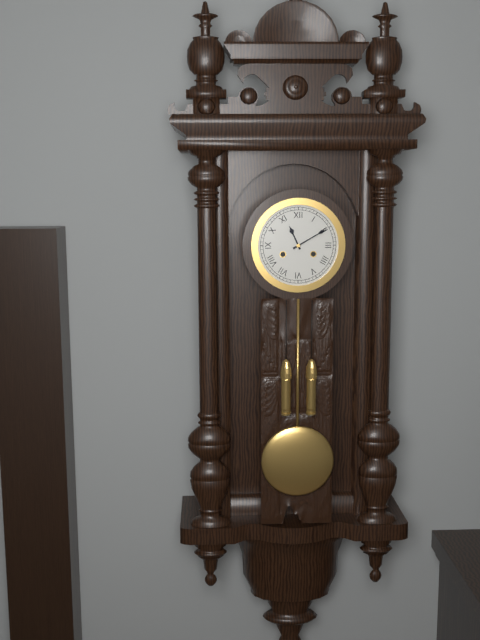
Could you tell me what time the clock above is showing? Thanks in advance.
11:10
